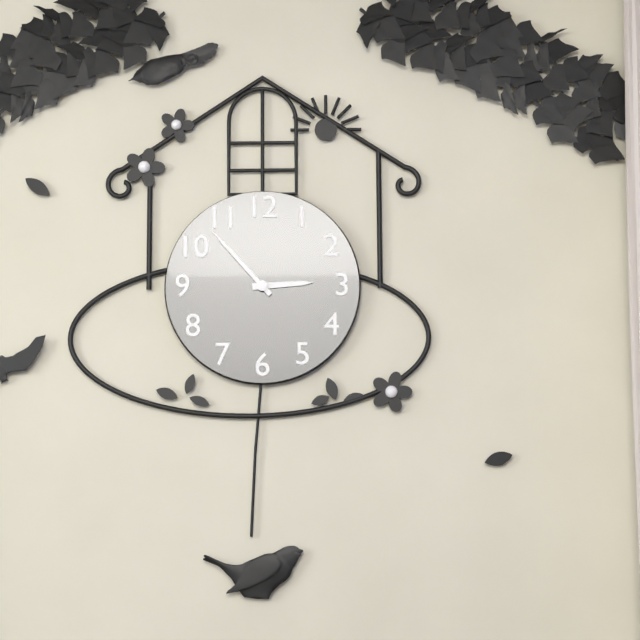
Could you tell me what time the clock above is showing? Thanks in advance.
2:53
